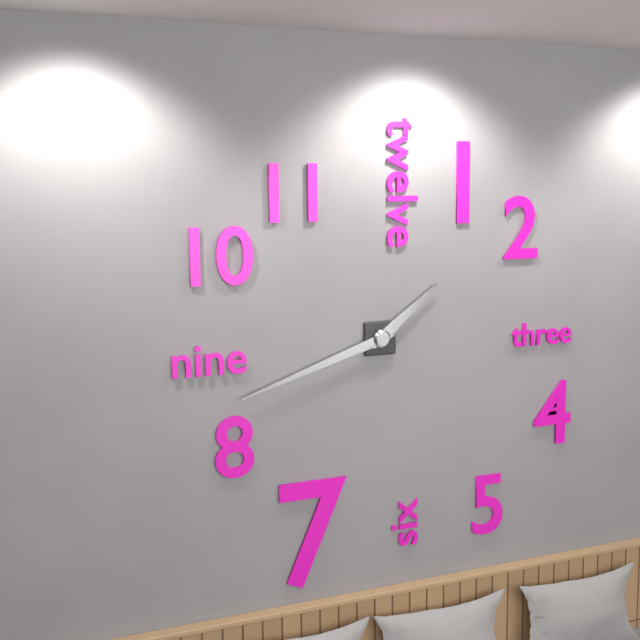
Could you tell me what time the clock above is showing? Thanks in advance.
1:42
